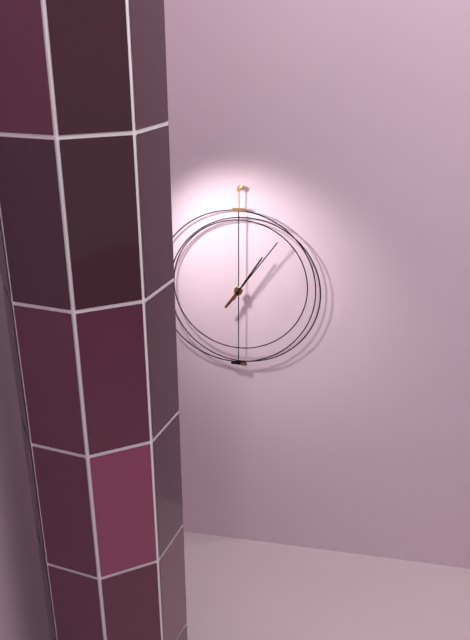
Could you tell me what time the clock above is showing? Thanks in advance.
1:06
